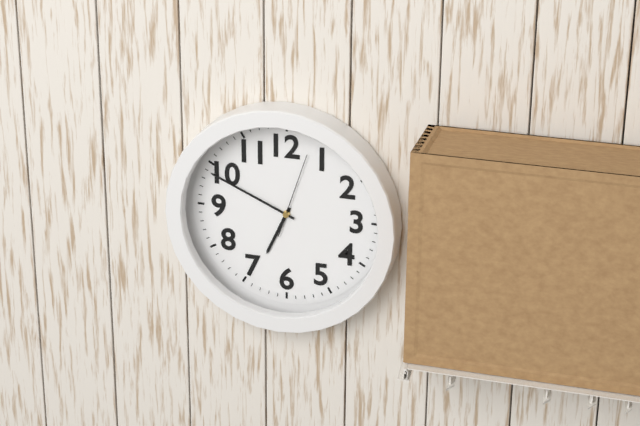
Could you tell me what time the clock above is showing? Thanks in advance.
6:49:03
